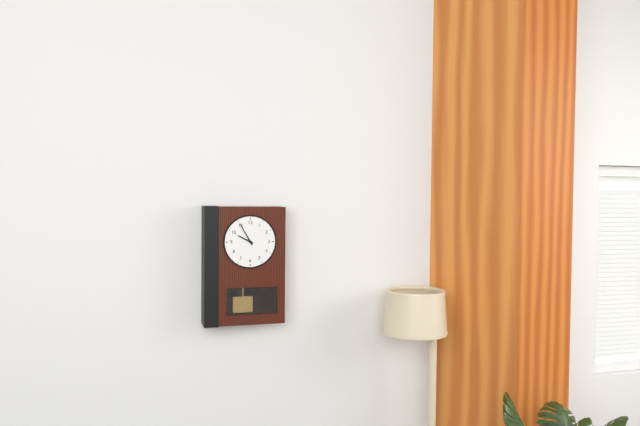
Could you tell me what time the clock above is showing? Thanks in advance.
9:55
